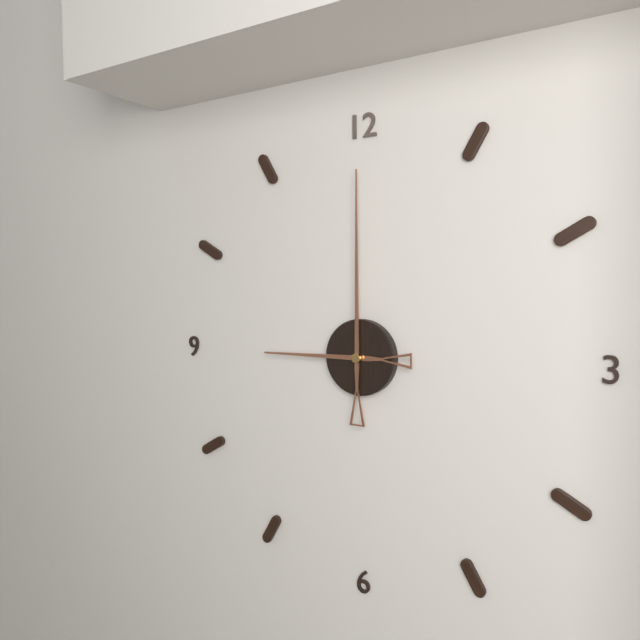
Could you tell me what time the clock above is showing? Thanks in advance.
9:00
